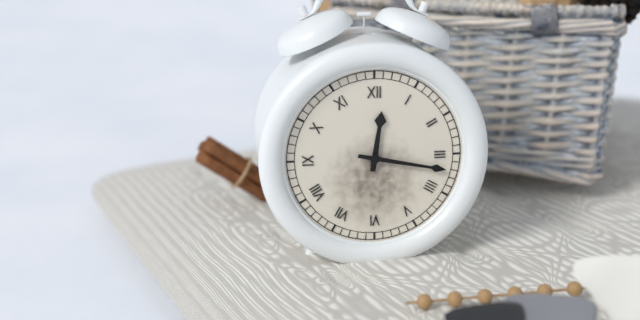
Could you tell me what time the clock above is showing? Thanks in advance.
12:17
